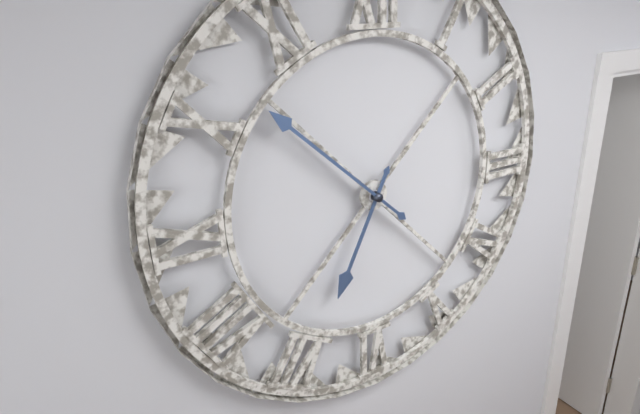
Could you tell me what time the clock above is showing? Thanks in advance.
6:52
